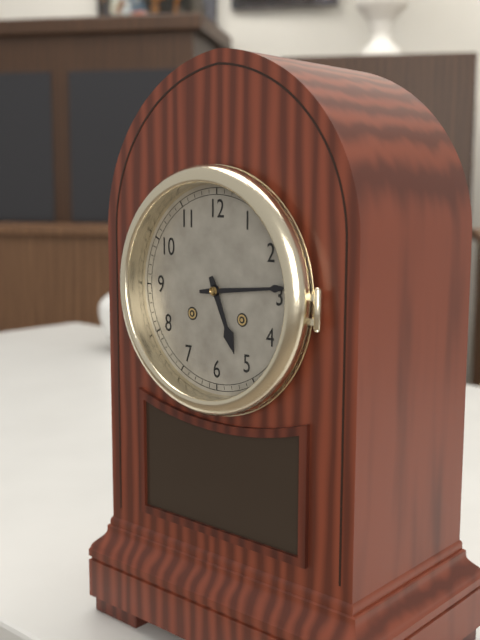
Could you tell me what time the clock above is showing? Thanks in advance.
5:14
